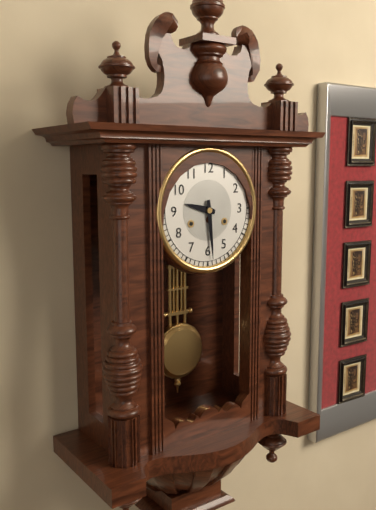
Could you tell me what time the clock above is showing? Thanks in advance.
9:29
